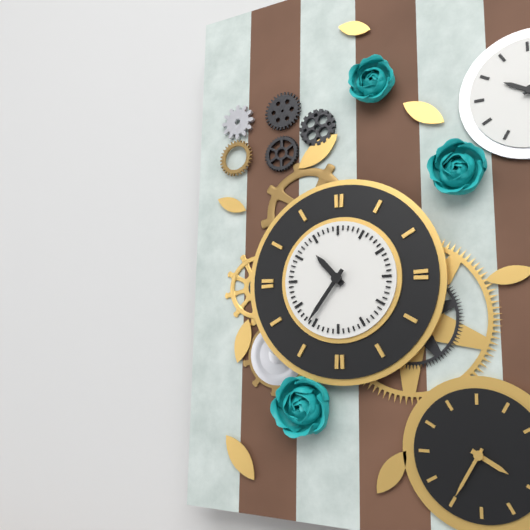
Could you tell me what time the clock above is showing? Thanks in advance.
10:36
